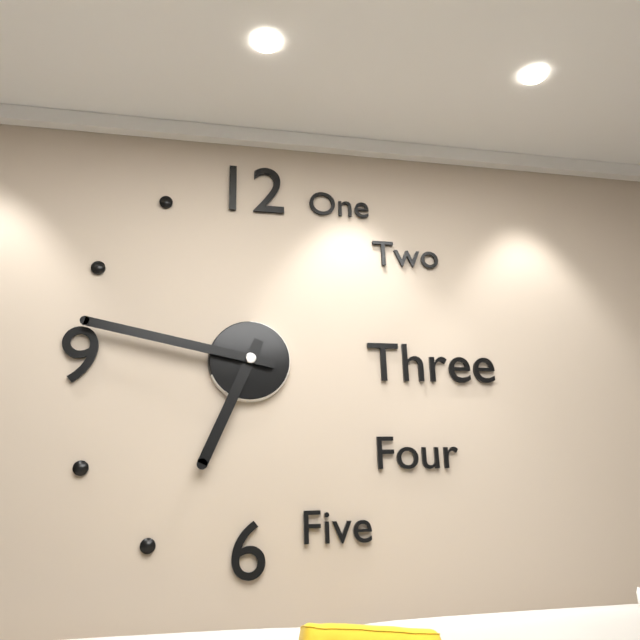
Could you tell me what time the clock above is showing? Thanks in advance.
6:47
